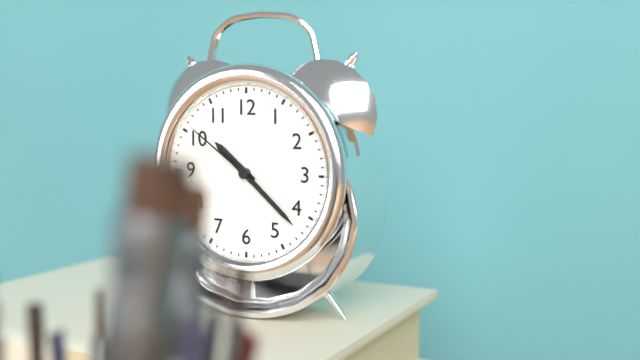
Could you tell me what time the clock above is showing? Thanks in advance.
10:22:51
